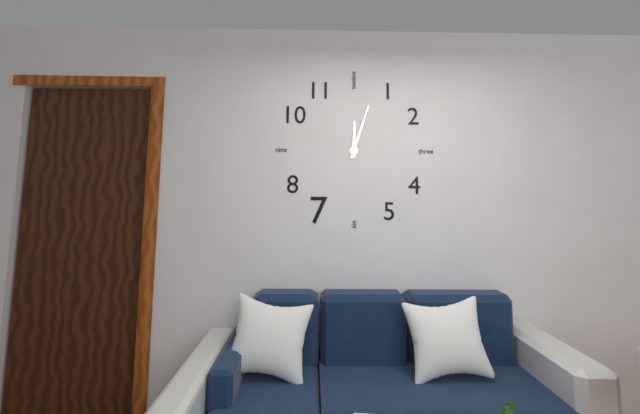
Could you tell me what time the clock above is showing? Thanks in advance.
12:03
